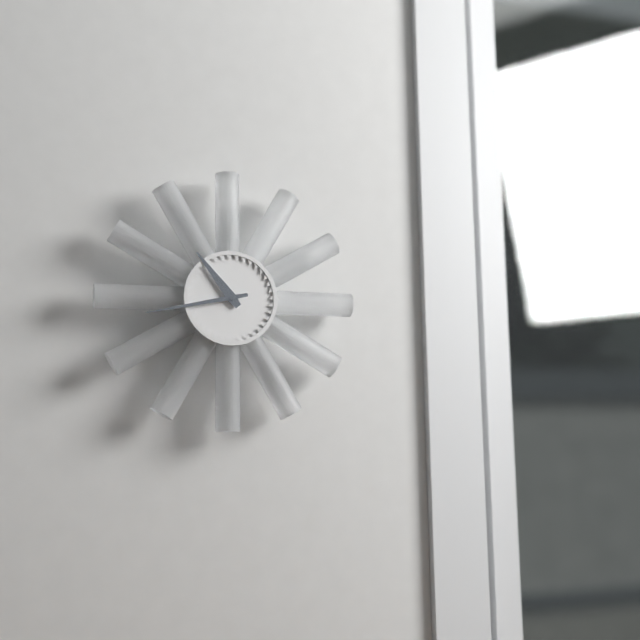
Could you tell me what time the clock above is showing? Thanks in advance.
10:43
